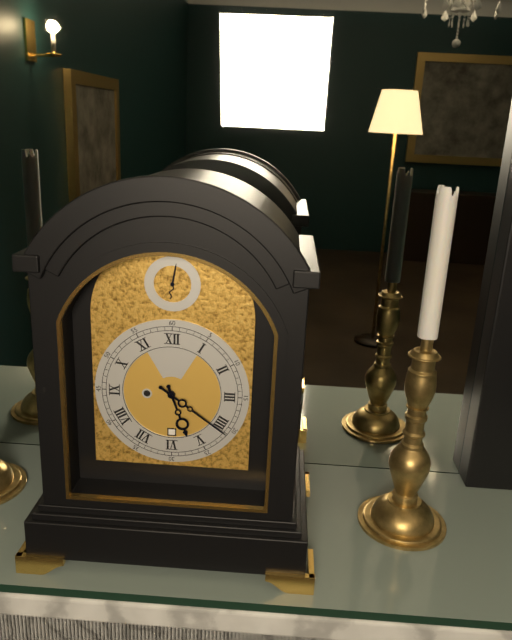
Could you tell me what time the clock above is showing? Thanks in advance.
5:21
